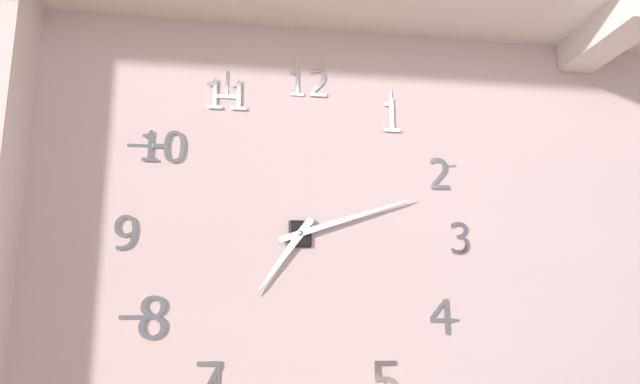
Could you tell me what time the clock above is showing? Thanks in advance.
7:12
